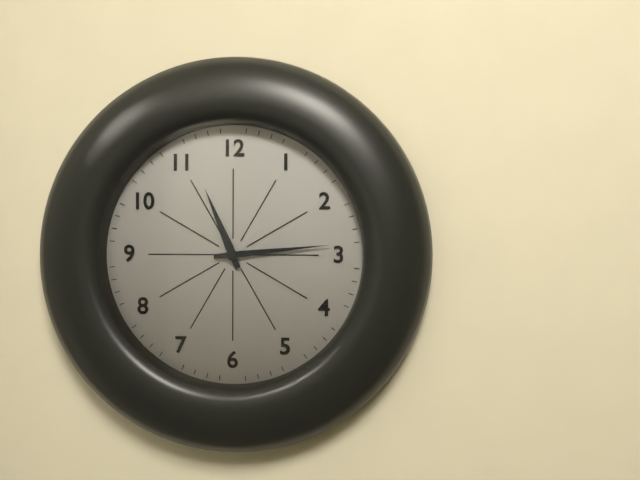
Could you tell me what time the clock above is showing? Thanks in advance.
11:14
